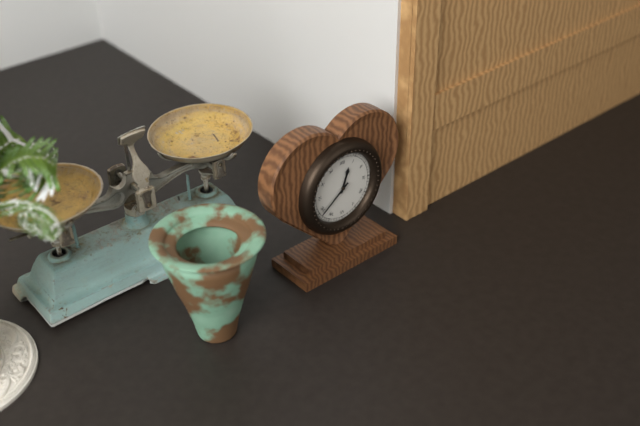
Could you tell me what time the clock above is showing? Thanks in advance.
12:39
